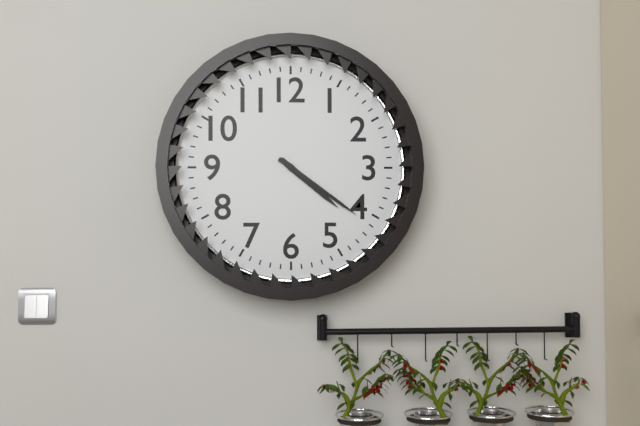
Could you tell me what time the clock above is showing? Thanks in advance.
4:21
